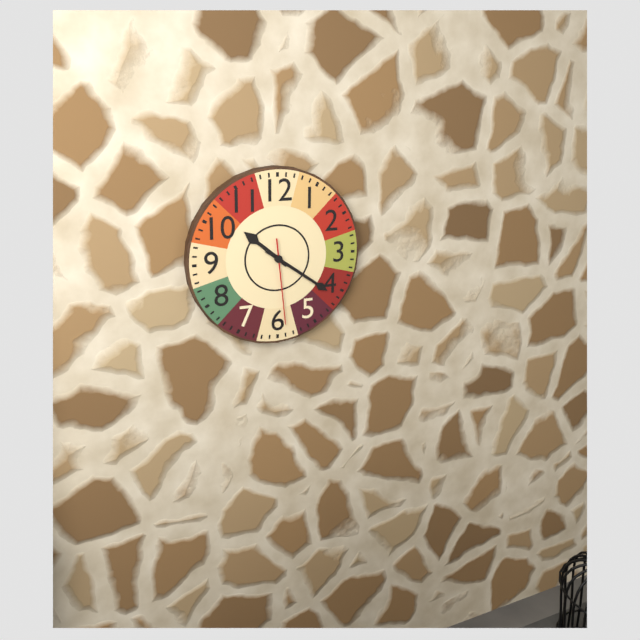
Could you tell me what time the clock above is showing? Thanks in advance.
10:21:29
